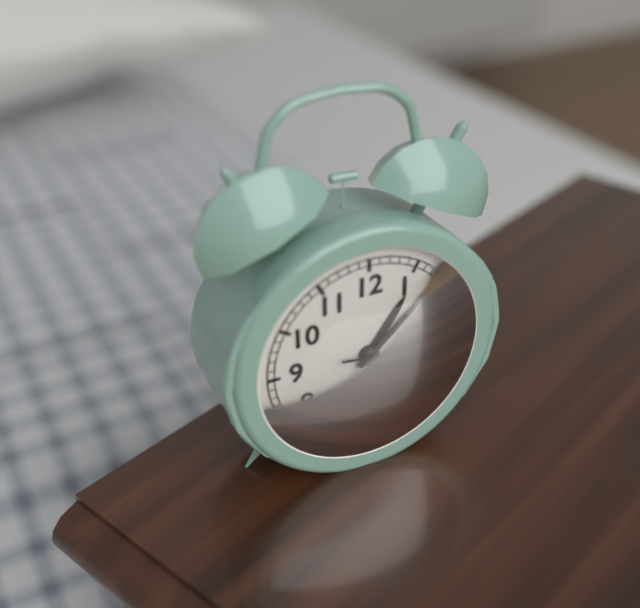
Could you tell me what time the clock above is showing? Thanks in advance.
1:08:16
